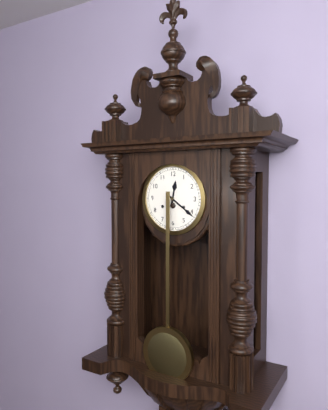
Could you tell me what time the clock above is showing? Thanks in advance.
12:21
